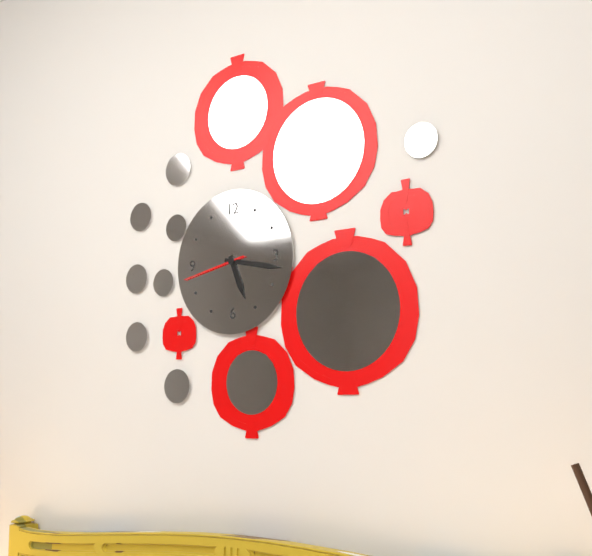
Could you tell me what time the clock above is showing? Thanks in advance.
5:17:43
